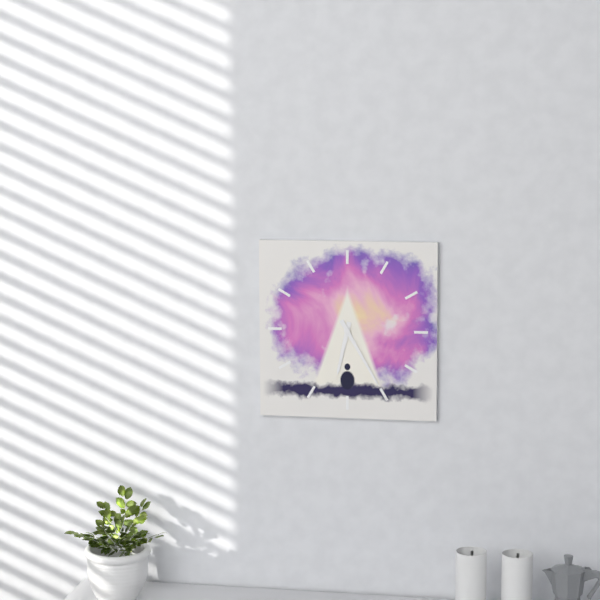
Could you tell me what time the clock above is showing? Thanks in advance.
6:25
